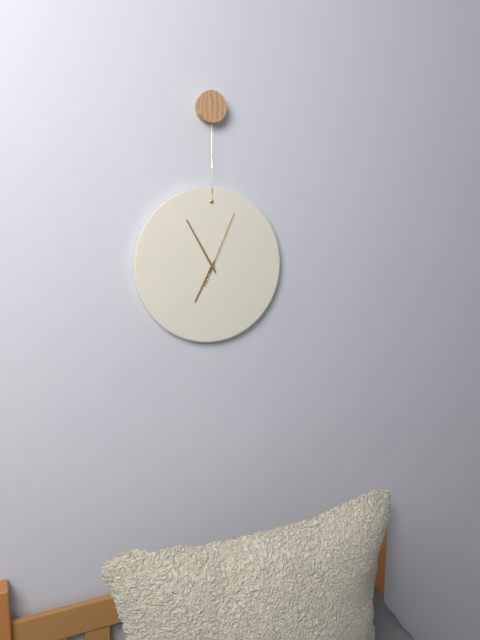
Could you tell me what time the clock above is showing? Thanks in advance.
6:55:04
